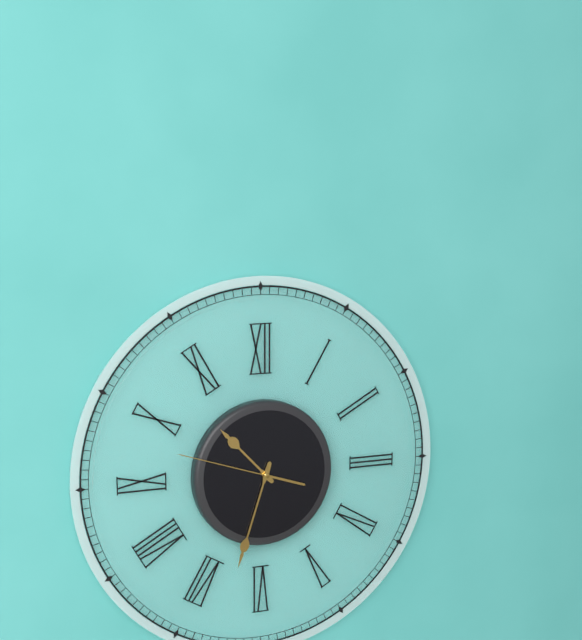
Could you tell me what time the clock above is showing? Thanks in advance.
10:33:48
